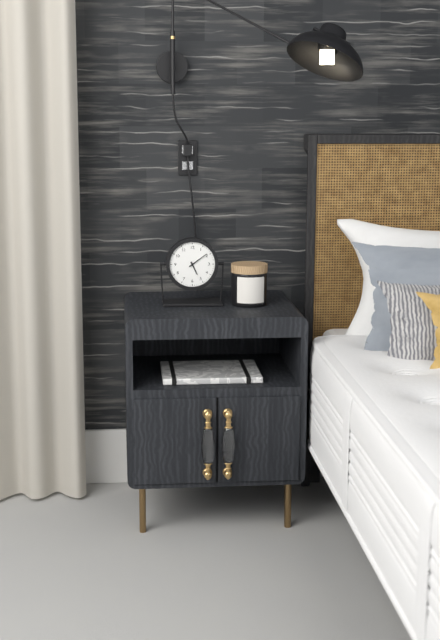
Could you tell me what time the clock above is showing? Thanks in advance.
5:09
